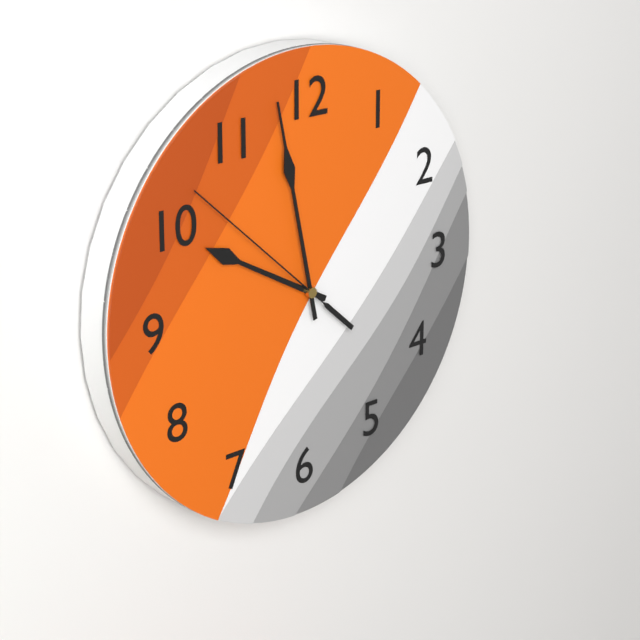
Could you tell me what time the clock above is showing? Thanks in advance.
9:58:52
